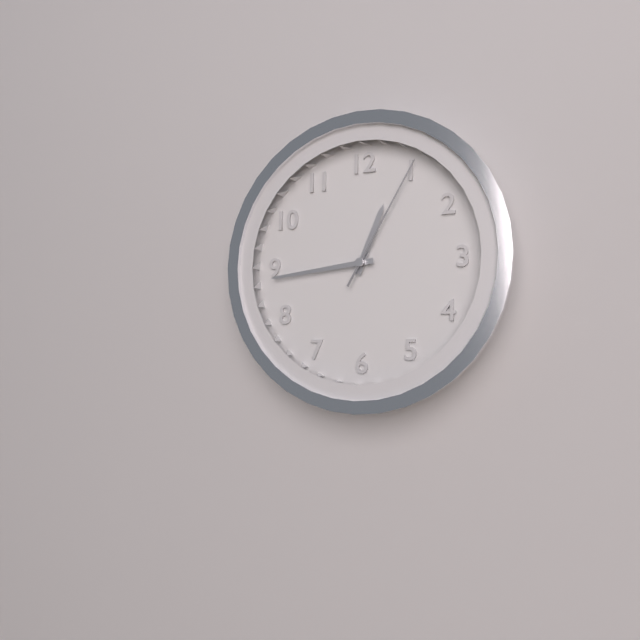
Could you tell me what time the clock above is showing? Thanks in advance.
12:44:05
